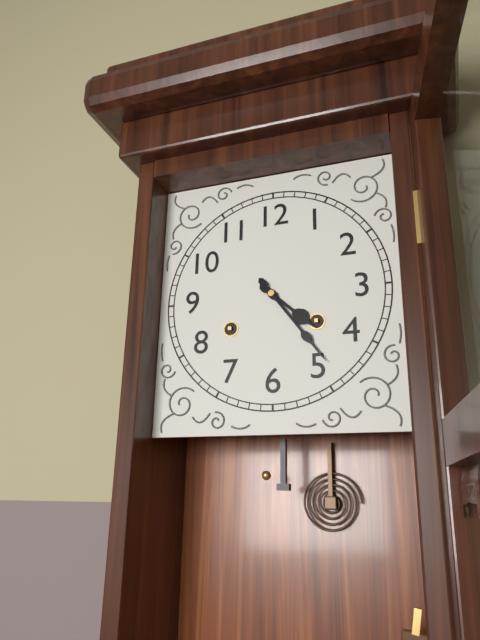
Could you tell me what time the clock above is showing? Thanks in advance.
4:24
